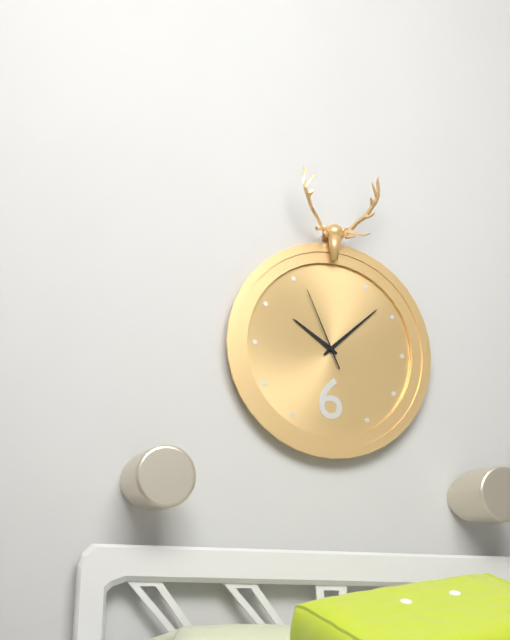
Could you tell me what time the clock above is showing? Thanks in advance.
10:08:56
